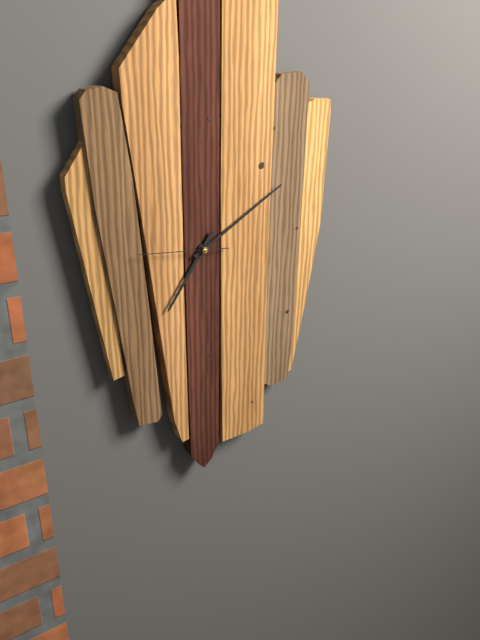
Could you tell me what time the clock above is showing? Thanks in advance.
7:10:46
